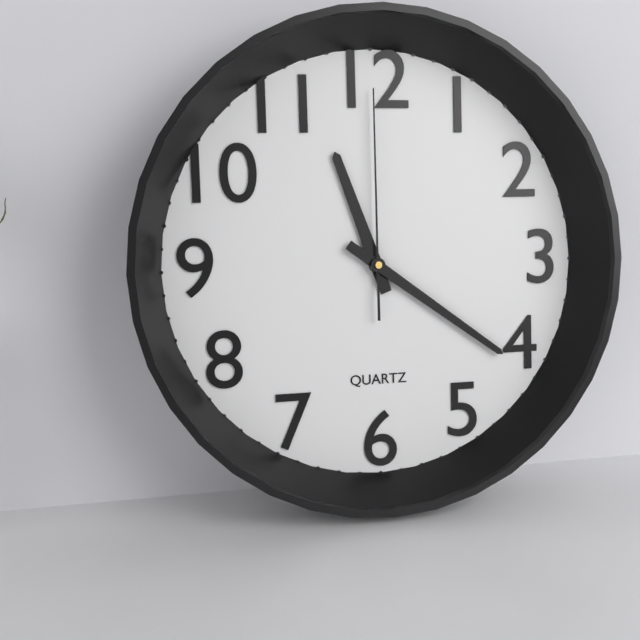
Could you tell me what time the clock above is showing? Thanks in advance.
11:21:00
